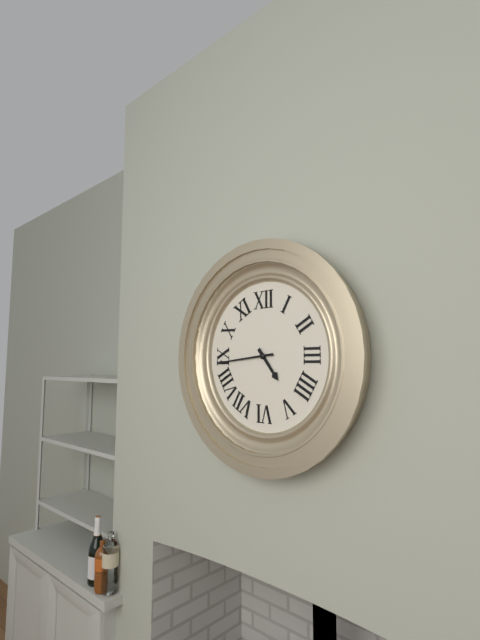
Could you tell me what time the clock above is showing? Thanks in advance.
4:44
